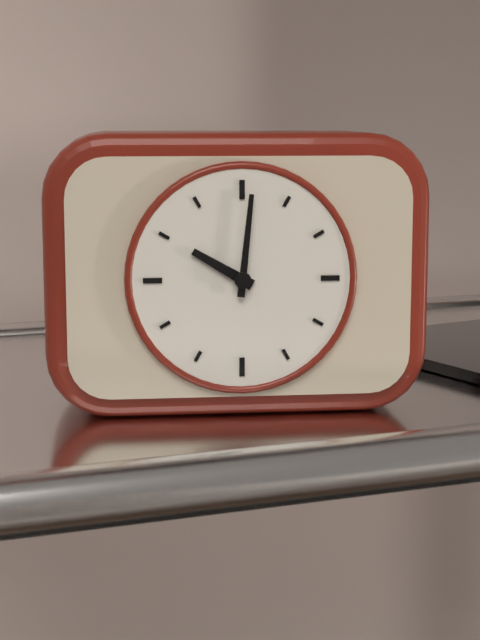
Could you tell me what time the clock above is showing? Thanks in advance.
10:01
